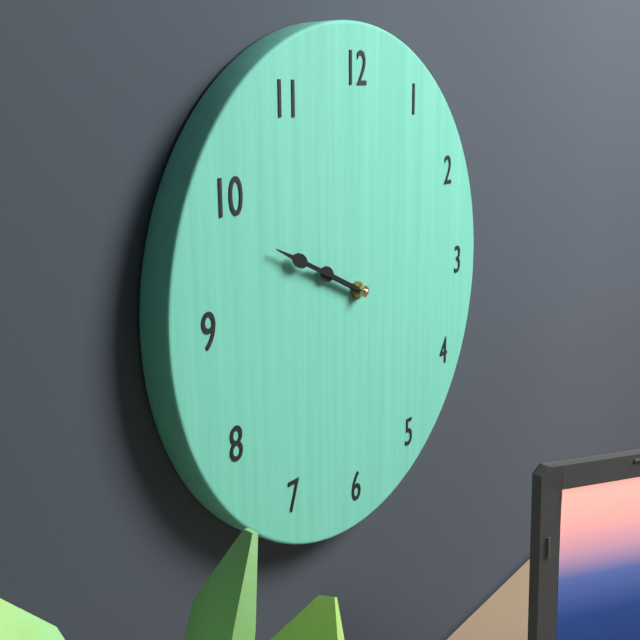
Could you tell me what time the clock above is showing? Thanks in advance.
9:49
